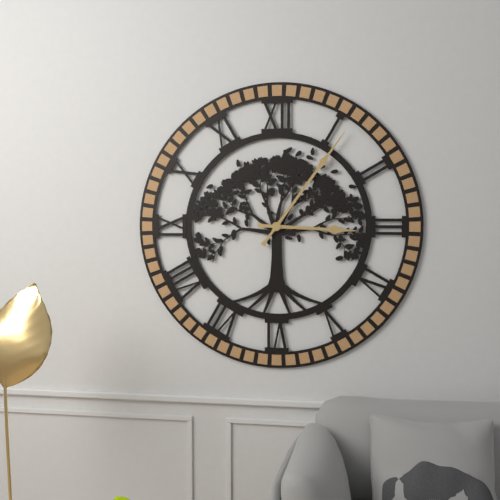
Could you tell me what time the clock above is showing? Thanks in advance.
3:06
